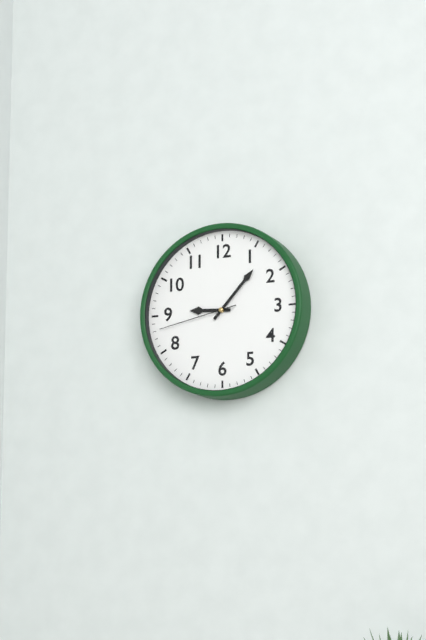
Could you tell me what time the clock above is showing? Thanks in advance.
9:07:43
